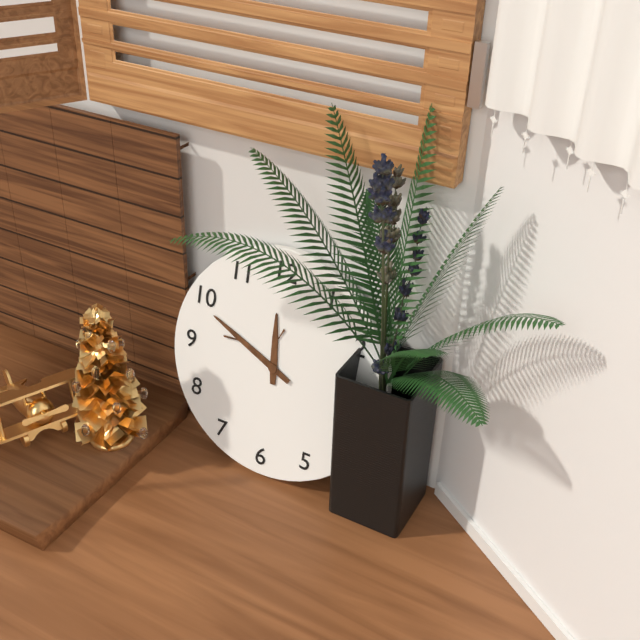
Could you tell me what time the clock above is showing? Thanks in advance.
11:49
